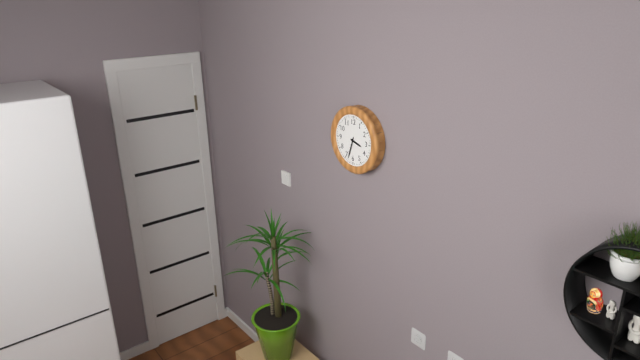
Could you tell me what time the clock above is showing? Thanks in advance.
3:33
